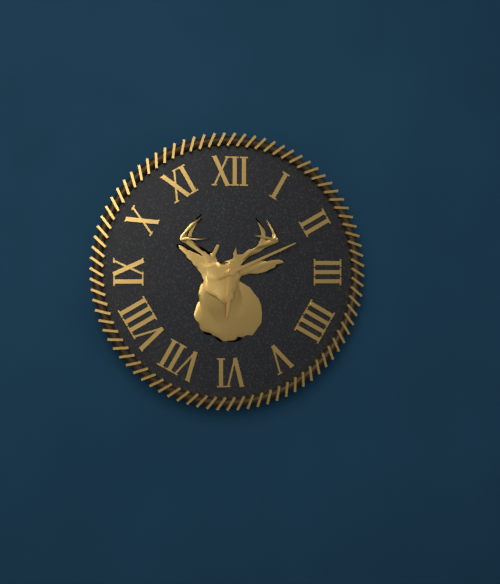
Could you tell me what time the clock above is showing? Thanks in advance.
6:11
